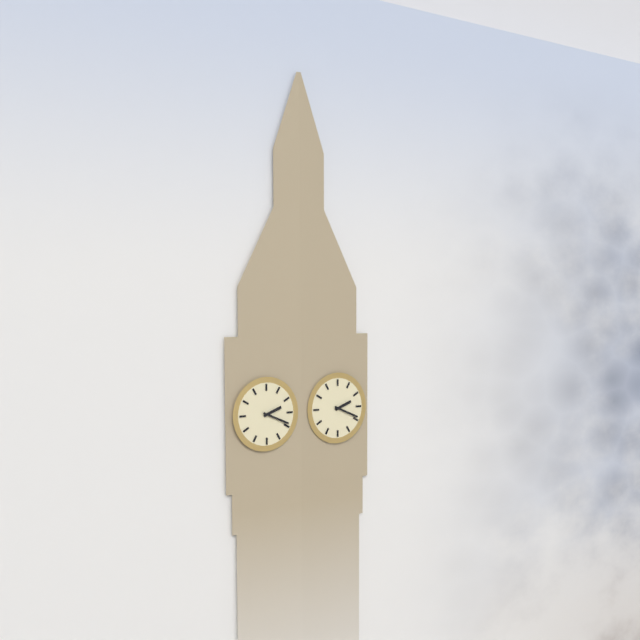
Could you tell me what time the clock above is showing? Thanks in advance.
2:19
